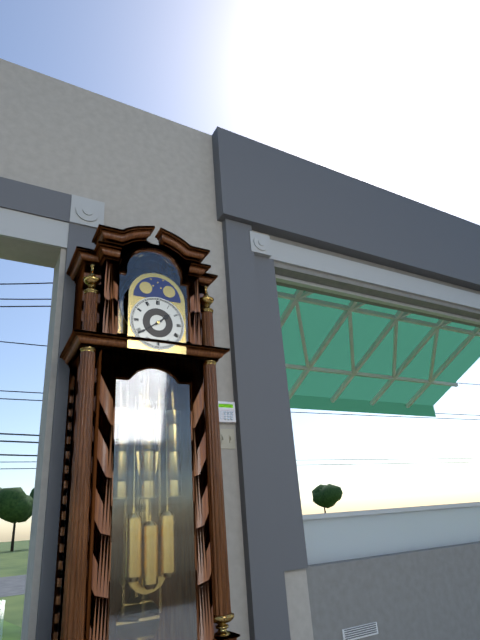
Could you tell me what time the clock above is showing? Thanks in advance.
1:39
